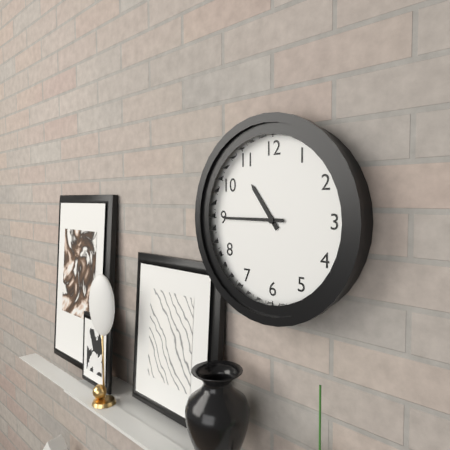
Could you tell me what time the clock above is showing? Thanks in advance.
10:45
